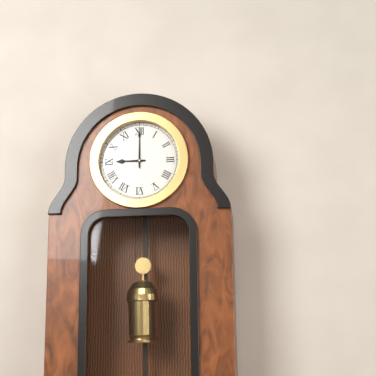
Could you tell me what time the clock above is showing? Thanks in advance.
9:00
